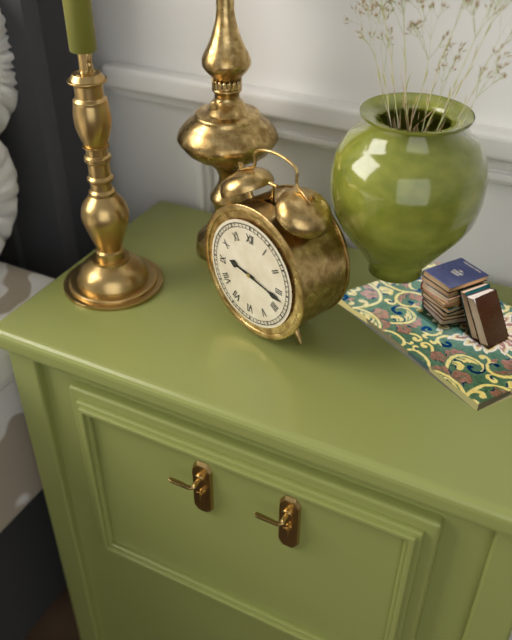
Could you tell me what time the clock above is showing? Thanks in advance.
9:17
